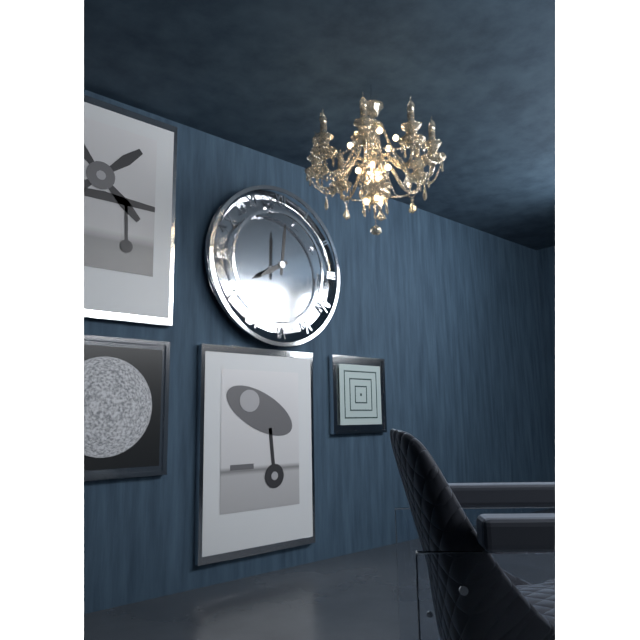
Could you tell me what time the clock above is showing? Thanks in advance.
8:01
